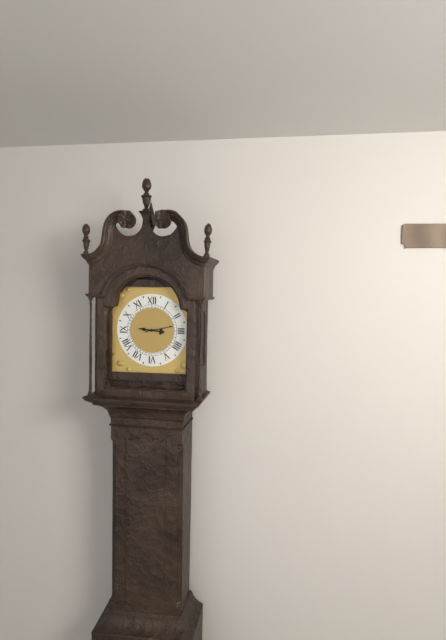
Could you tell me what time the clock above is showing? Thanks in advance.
9:13
